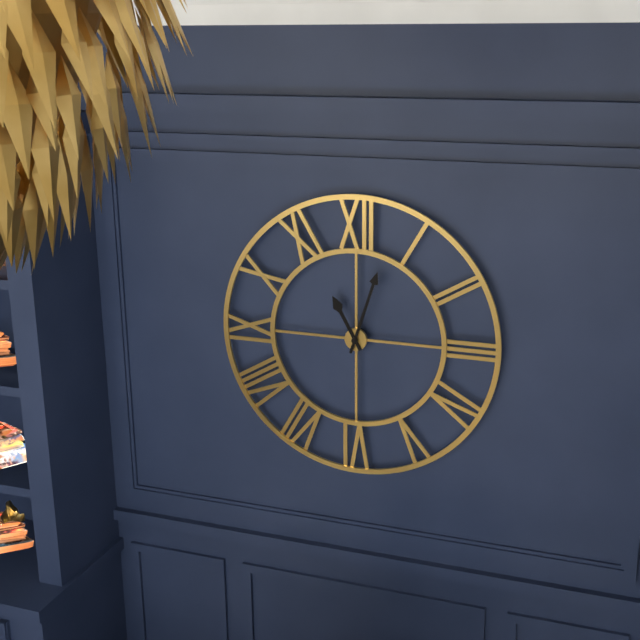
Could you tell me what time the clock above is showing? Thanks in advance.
11:03
